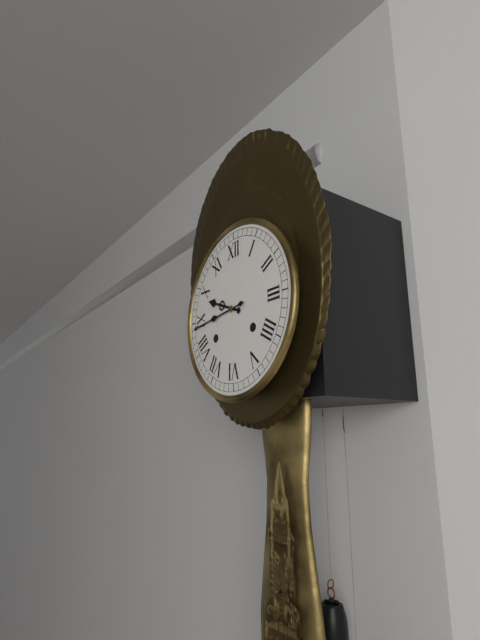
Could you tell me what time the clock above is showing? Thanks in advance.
9:44
